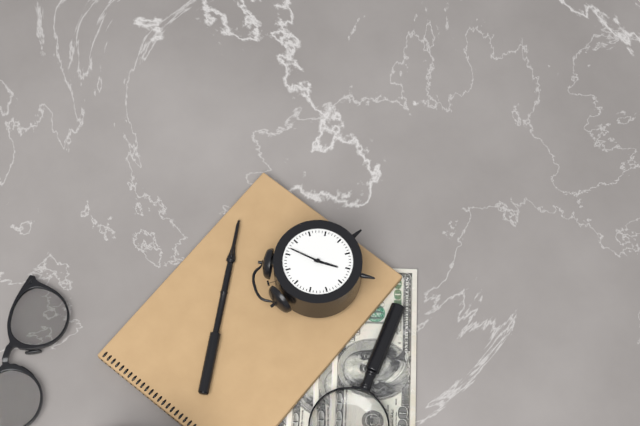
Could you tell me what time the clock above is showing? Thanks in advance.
7:07
